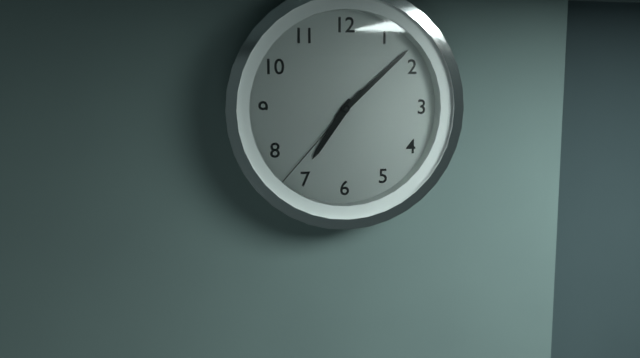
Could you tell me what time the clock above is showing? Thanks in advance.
7:08:37
